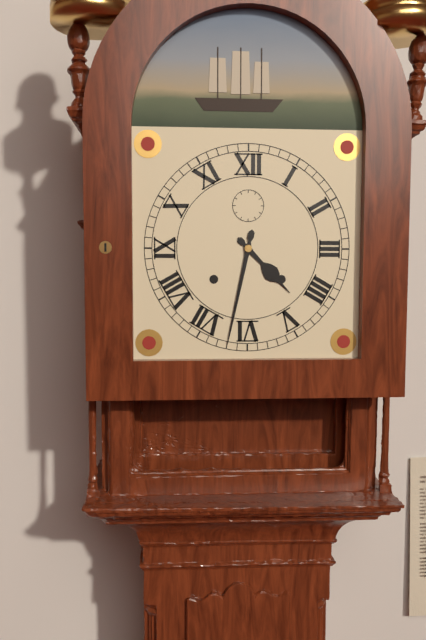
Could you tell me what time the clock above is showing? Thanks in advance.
4:32
